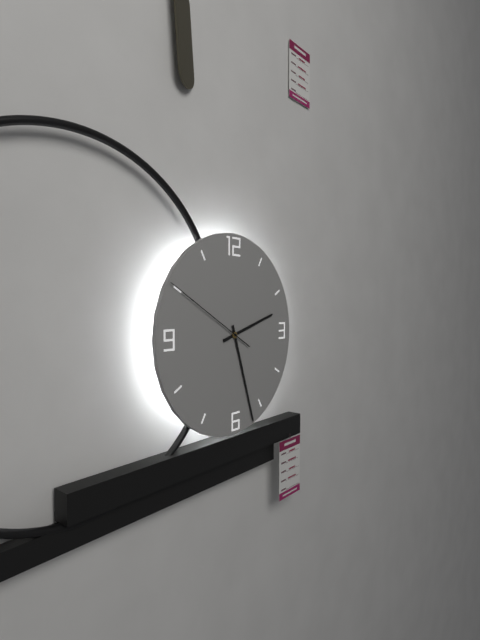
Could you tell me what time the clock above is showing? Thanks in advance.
2:27:50
